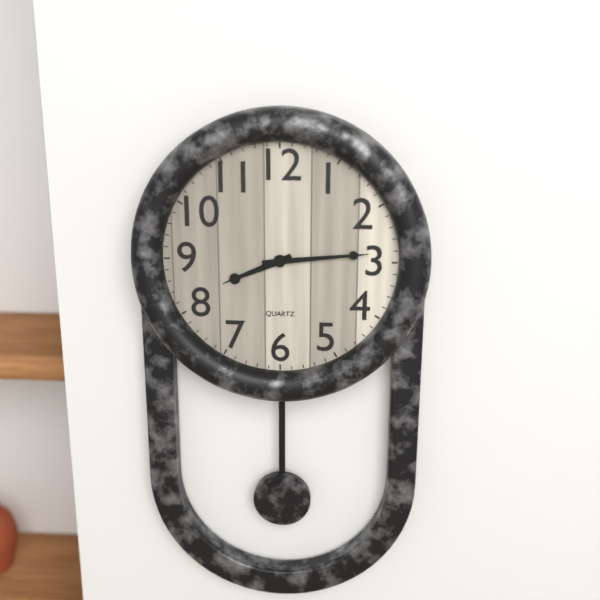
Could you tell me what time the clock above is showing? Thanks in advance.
8:14
